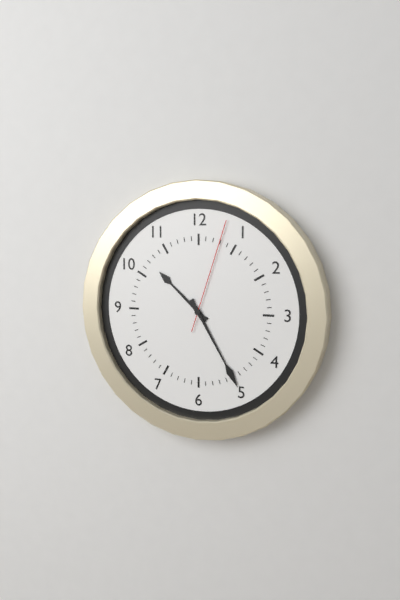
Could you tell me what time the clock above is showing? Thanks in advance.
10:25:03
